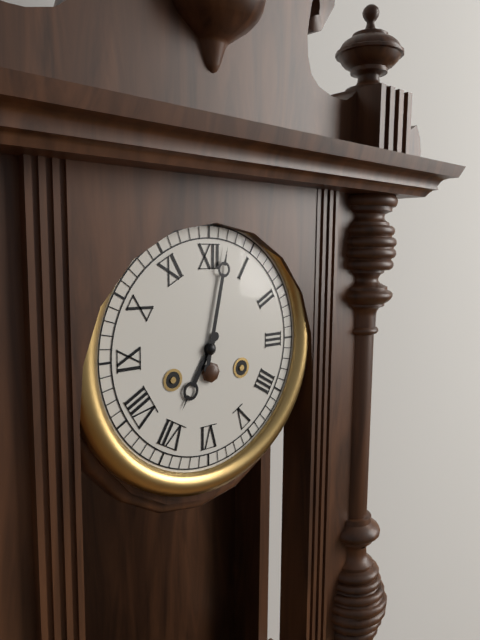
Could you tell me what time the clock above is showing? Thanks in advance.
7:02
